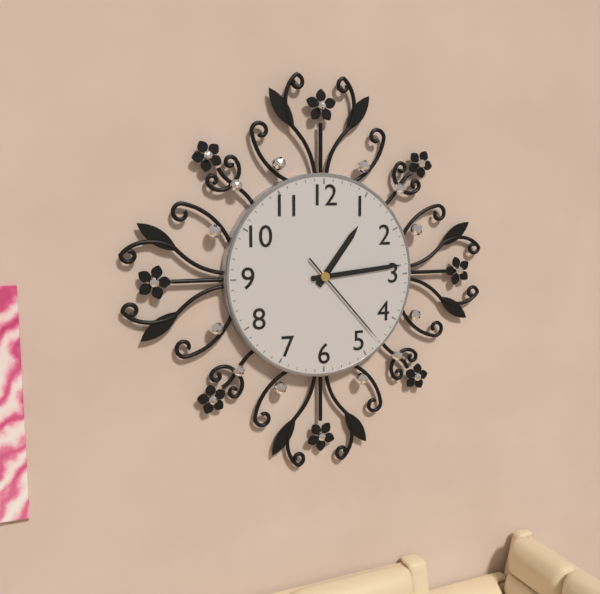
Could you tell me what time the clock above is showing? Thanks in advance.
1:14:23
